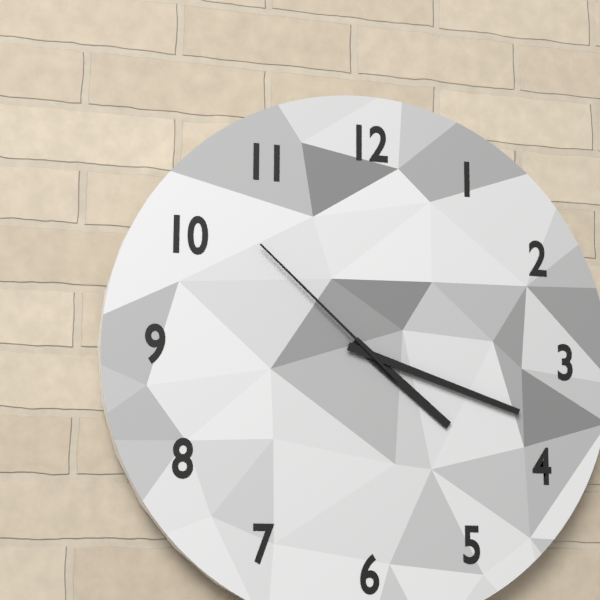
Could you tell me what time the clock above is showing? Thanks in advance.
4:18:52
